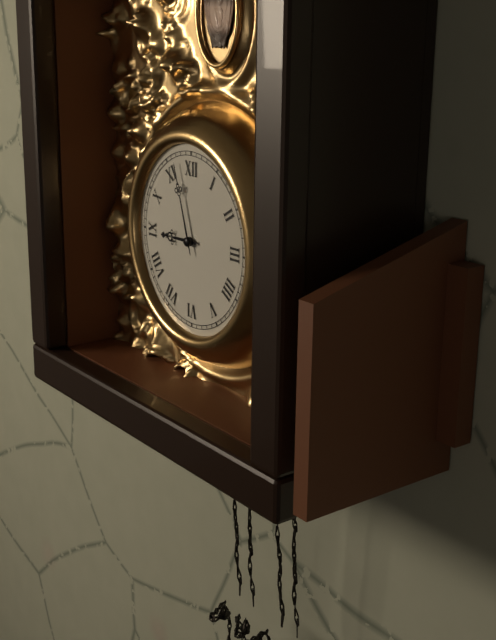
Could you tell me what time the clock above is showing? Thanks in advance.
8:57
